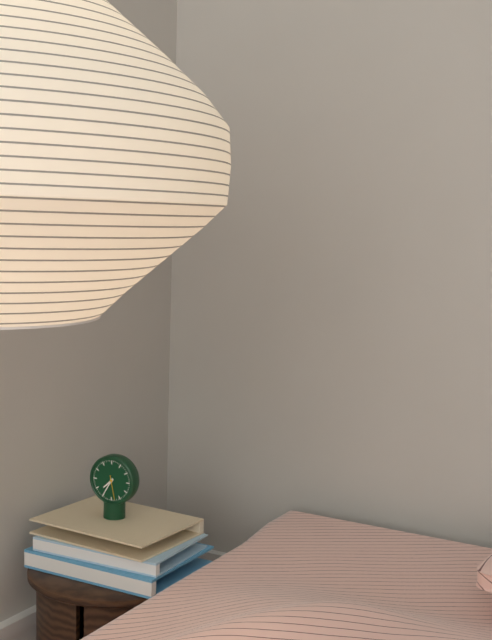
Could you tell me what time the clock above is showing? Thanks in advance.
7:35
